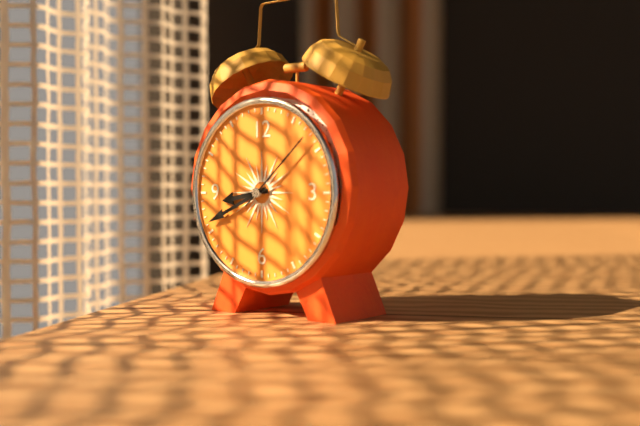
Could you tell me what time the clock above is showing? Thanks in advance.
8:41:08
